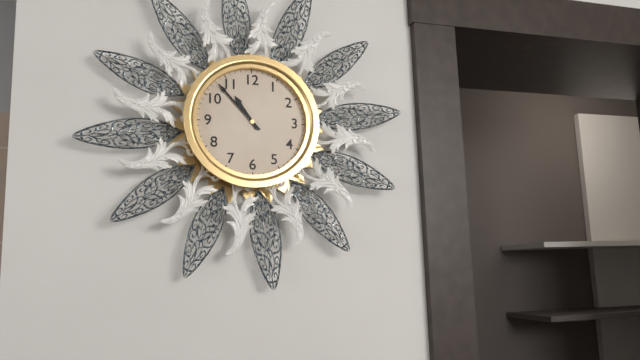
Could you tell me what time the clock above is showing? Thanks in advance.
10:53
